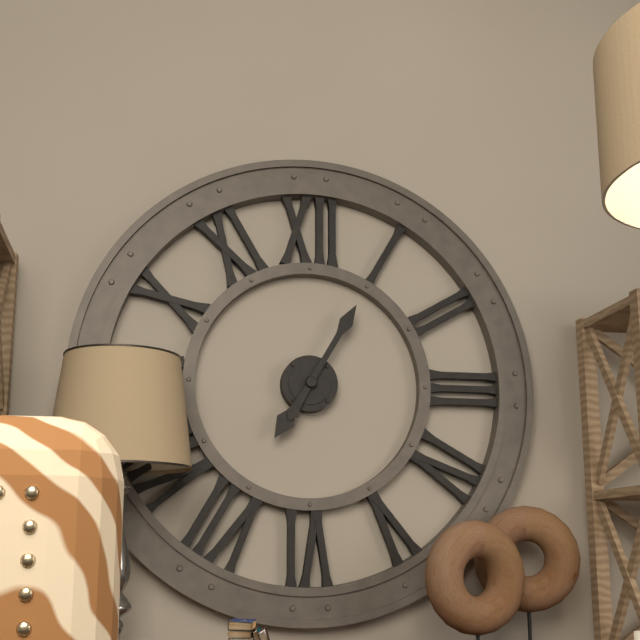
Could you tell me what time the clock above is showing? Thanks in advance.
7:05
